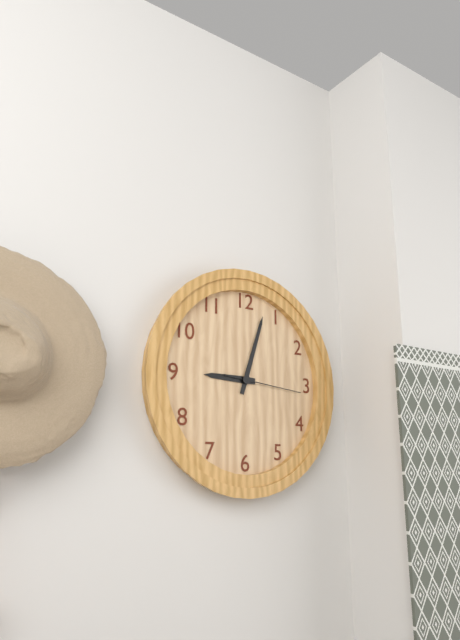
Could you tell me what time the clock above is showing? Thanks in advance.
9:03:16
